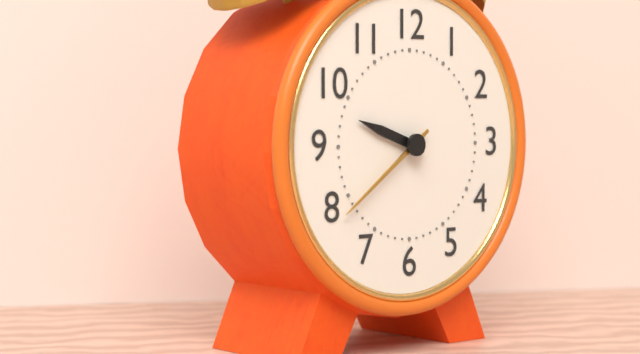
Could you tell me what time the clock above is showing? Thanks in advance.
9:39
